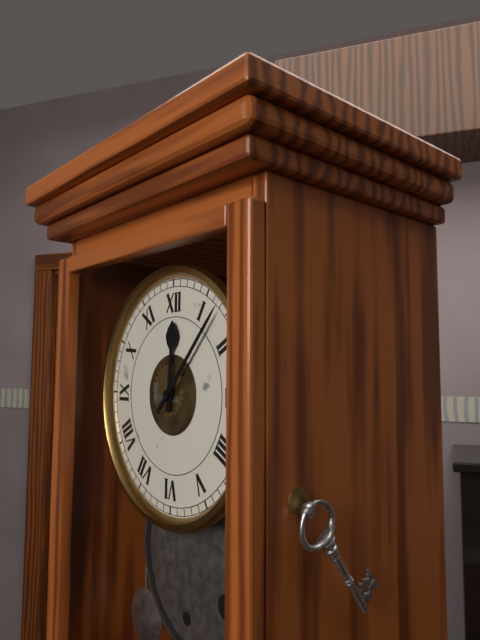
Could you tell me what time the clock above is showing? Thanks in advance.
12:07
